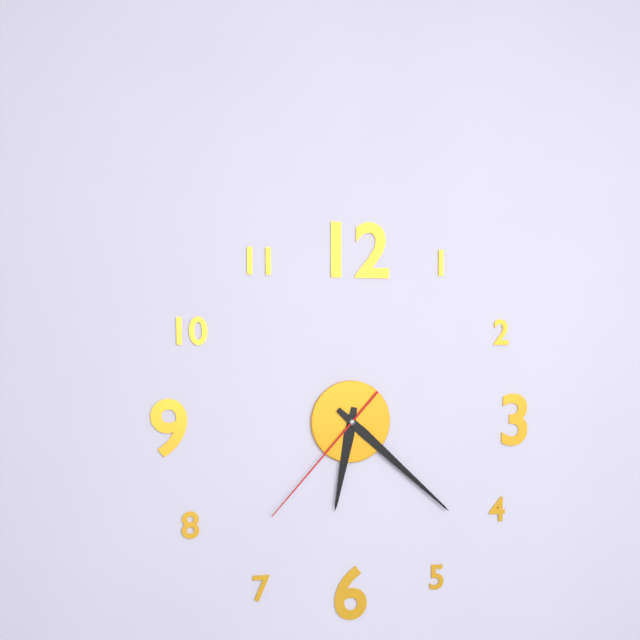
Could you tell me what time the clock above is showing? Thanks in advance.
6:22:37
